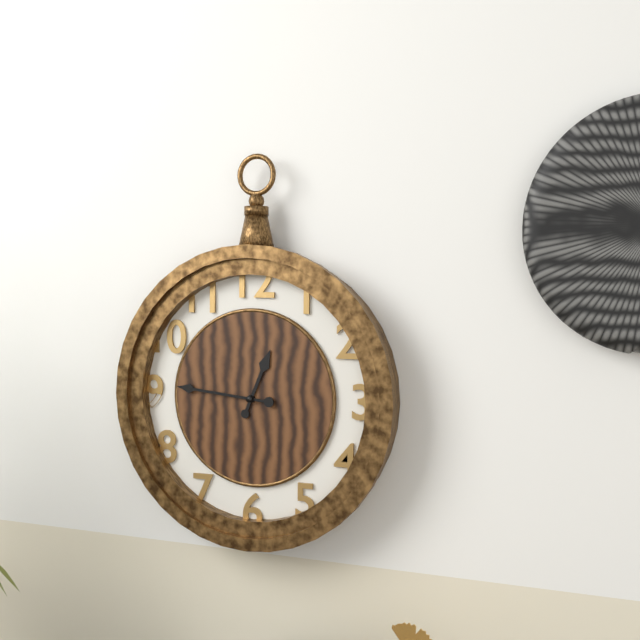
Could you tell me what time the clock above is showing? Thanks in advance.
12:46
